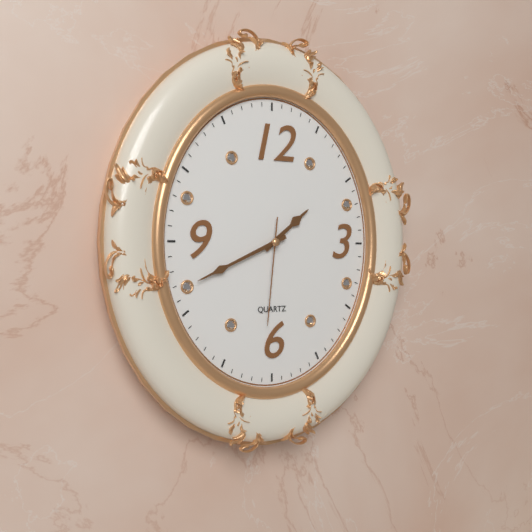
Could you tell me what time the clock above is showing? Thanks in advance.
1:41:31
